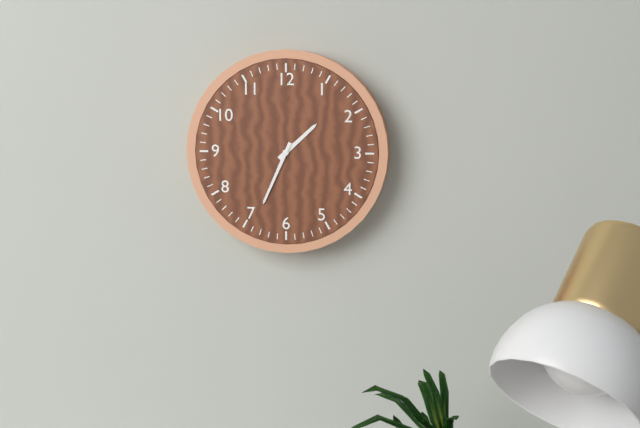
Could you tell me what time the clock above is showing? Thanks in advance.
1:34
